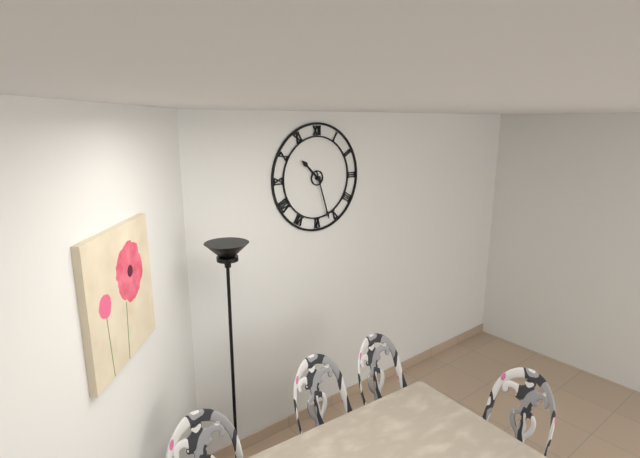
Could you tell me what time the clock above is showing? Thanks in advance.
10:27
